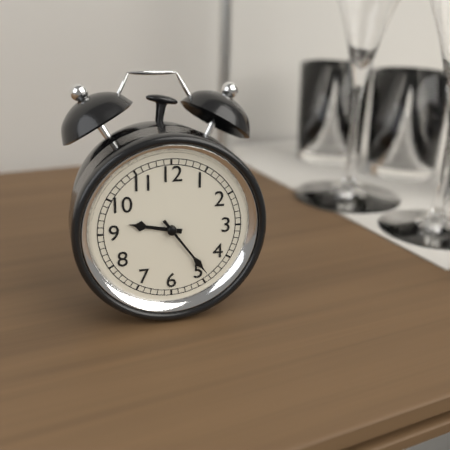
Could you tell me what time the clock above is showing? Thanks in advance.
9:24
